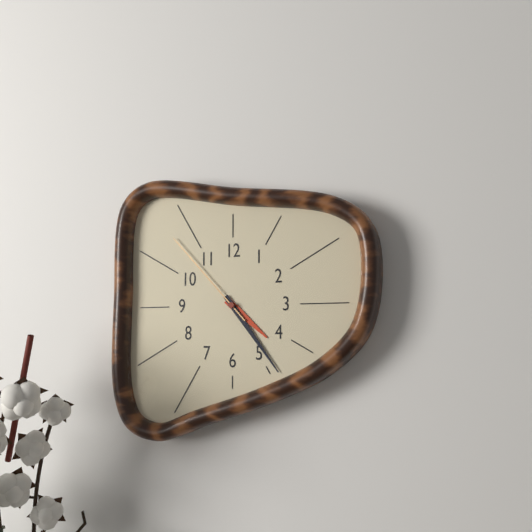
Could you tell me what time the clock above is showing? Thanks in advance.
4:24:53
